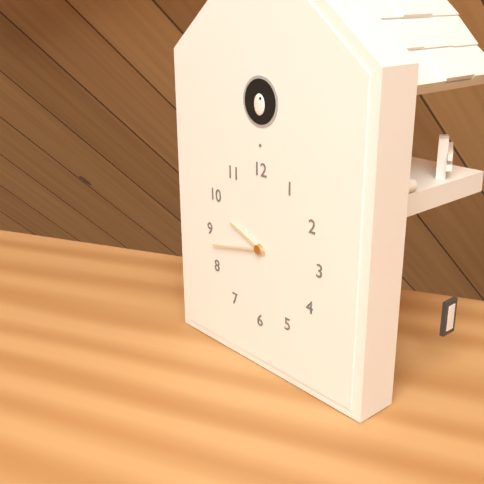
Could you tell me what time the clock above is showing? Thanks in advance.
9:43
